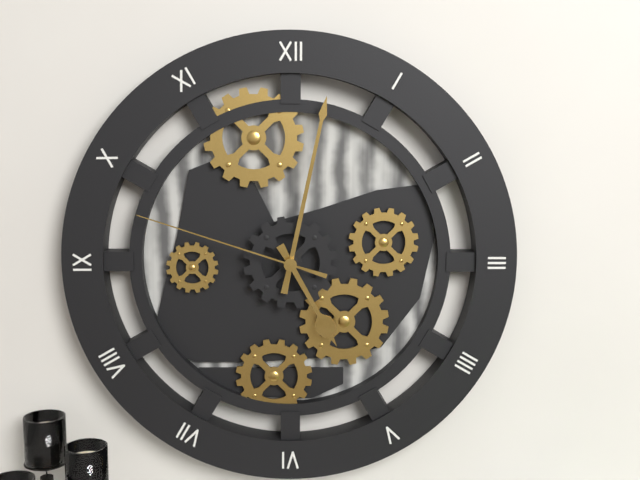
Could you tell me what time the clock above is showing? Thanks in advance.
5:02:48
